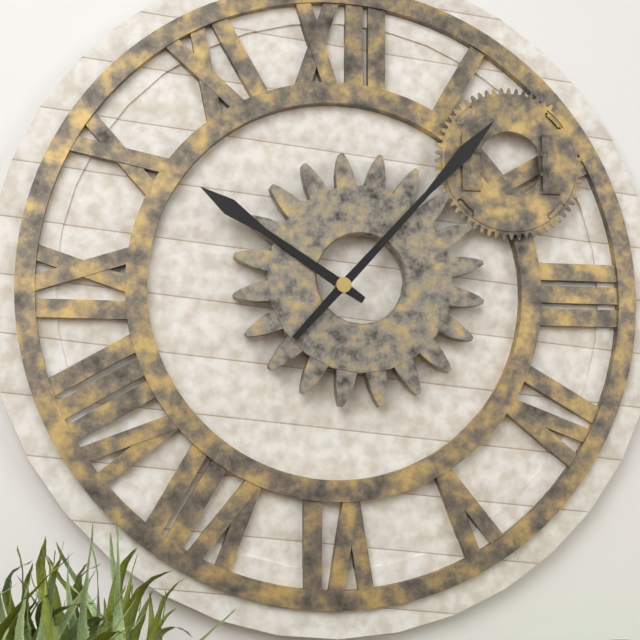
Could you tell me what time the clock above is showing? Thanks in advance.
10:07
